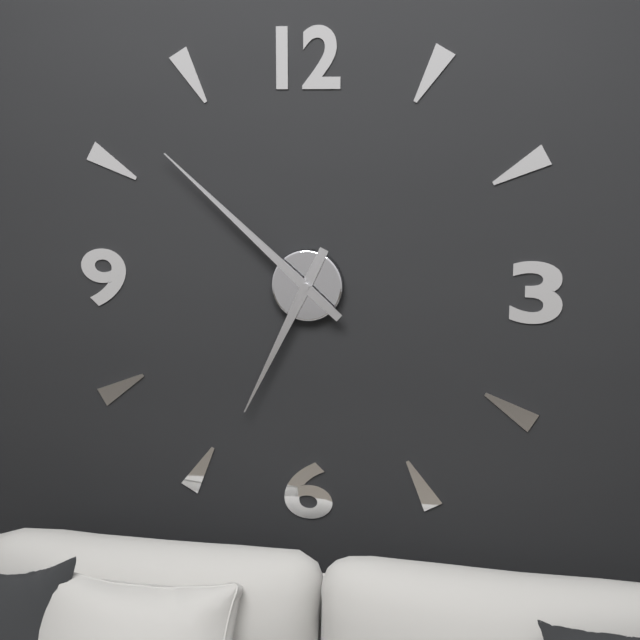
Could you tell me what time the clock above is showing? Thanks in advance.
6:52
